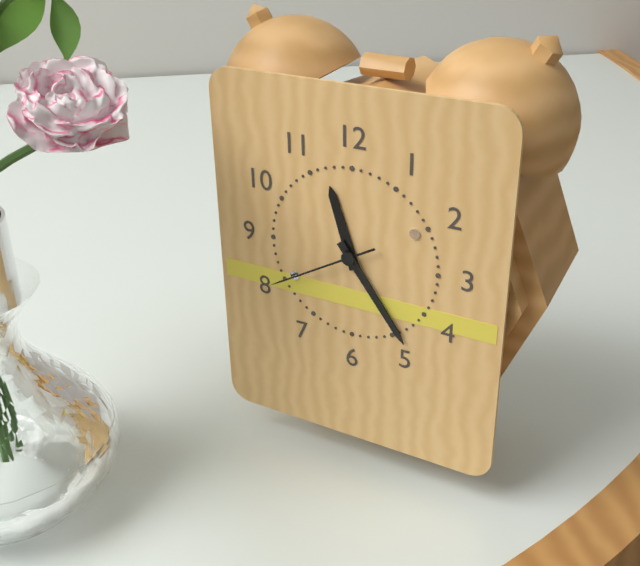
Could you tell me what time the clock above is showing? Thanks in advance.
11:24:40
